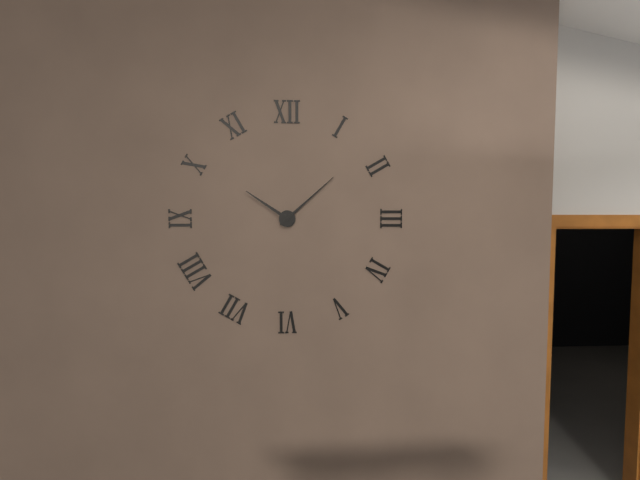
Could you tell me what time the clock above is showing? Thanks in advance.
10:08
